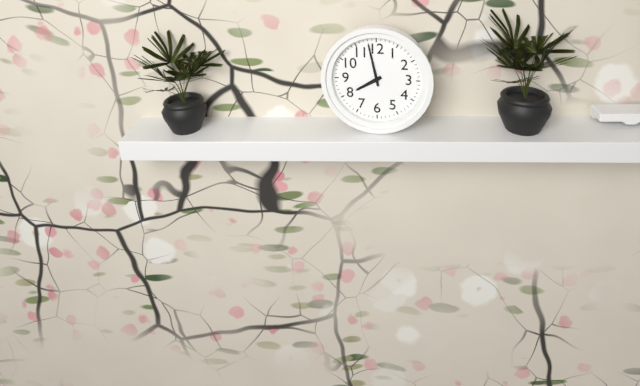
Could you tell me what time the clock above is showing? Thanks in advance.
7:58
